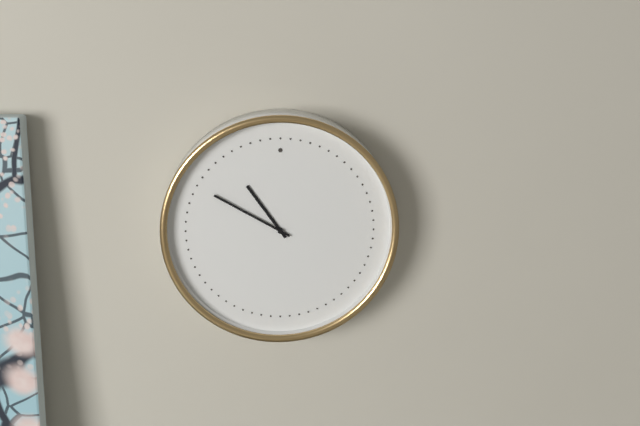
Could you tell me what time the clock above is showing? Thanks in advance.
10:50
